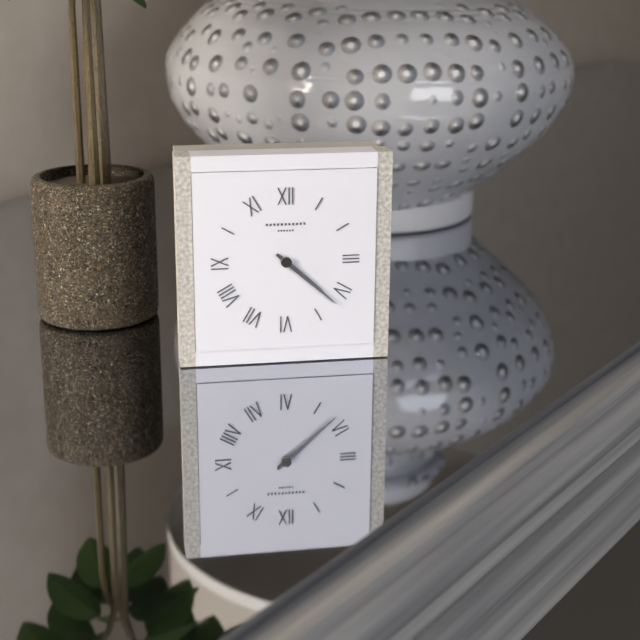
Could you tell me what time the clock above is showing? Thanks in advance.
4:22
